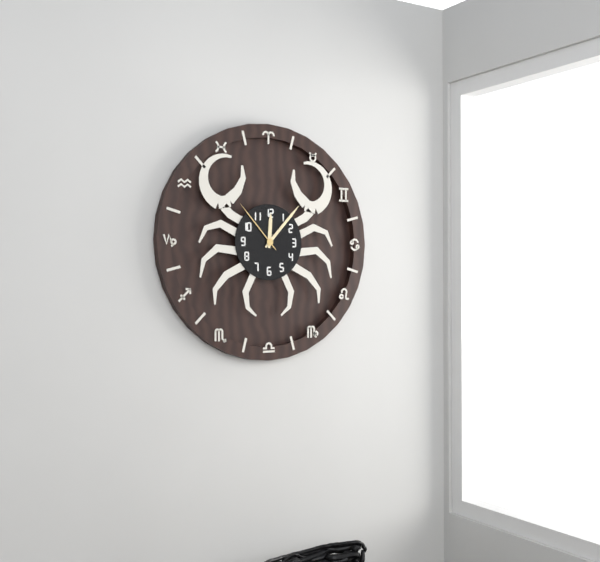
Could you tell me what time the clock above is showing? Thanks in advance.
12:07:53
